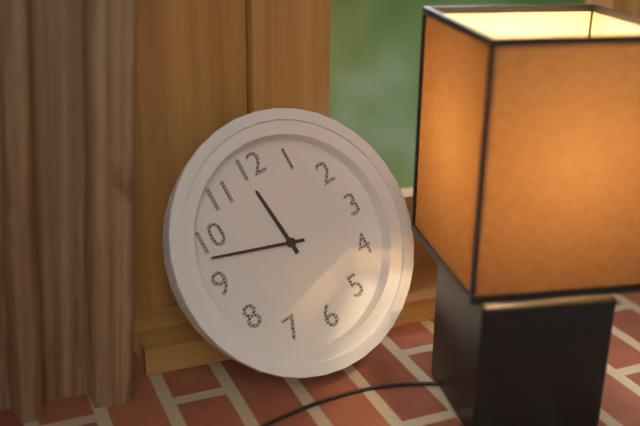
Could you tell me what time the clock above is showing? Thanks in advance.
11:48
